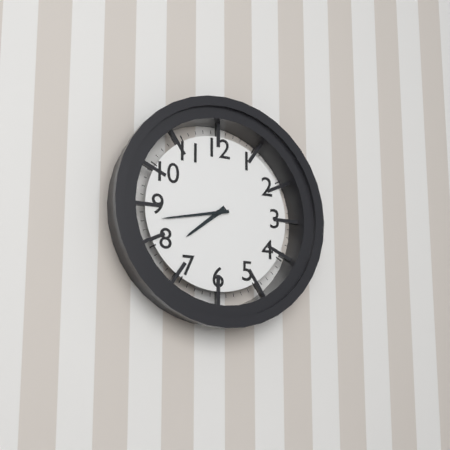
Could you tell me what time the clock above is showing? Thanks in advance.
7:43
